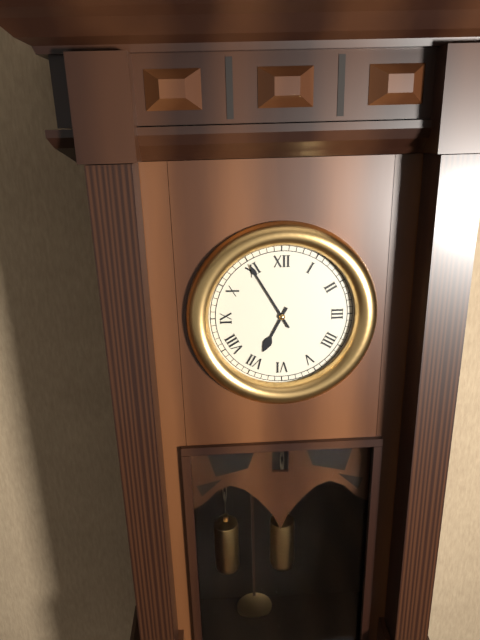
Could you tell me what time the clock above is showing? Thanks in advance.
6:55
